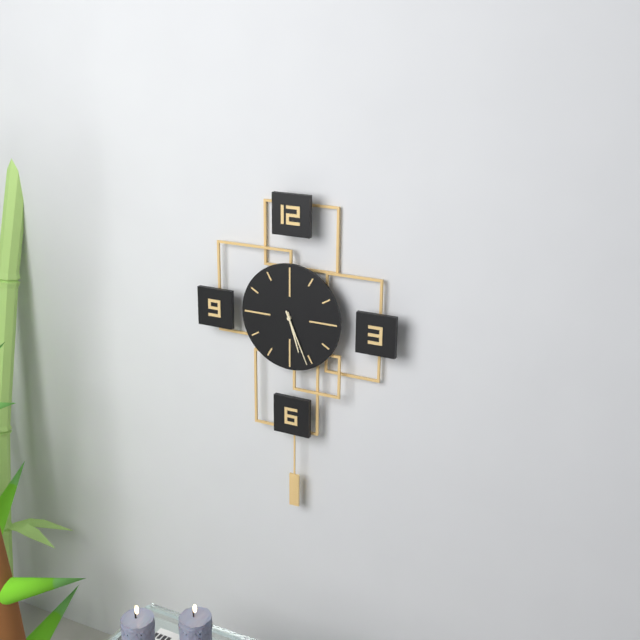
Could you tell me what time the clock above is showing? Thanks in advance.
5:26
